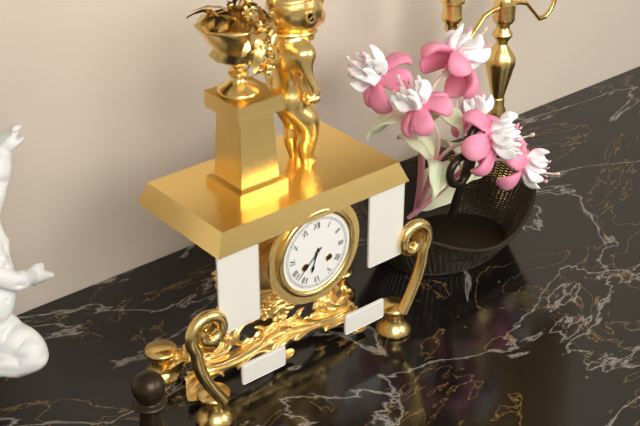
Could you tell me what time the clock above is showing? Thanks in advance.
6:38
